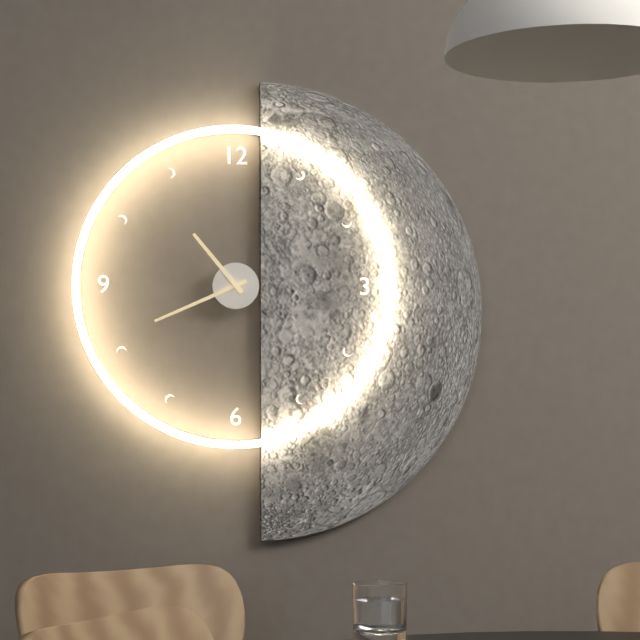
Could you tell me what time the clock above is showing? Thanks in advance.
10:41
